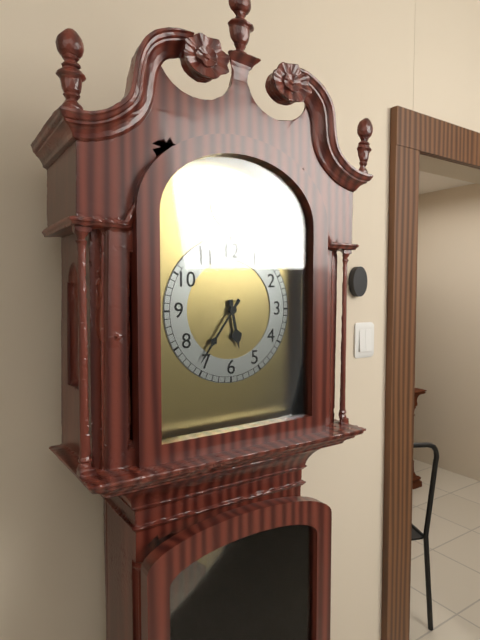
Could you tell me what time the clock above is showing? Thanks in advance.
5:36
